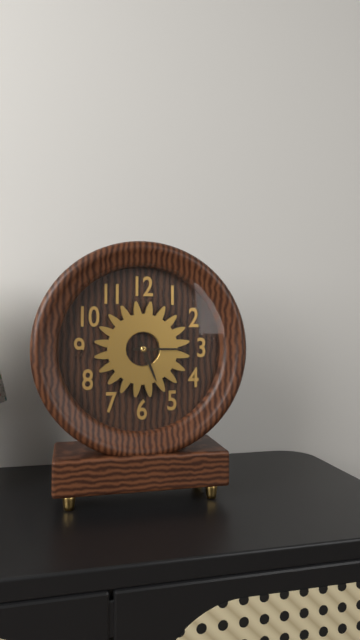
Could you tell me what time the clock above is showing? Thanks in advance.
5:15
